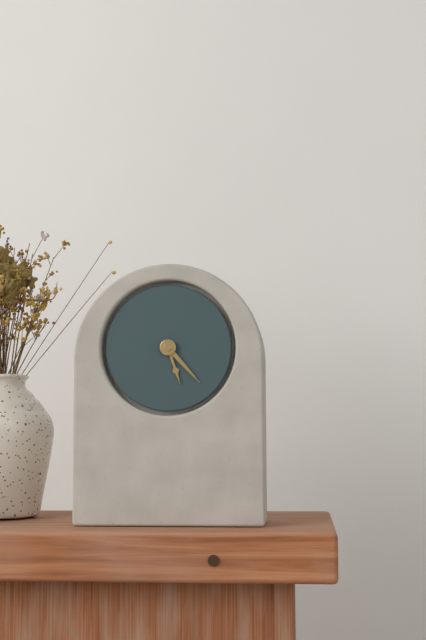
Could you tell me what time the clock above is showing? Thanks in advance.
5:23
